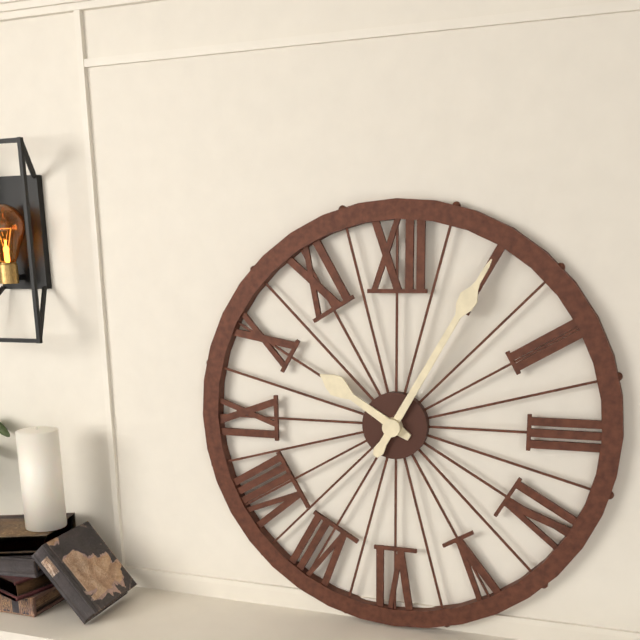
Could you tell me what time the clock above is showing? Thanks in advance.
10:05
